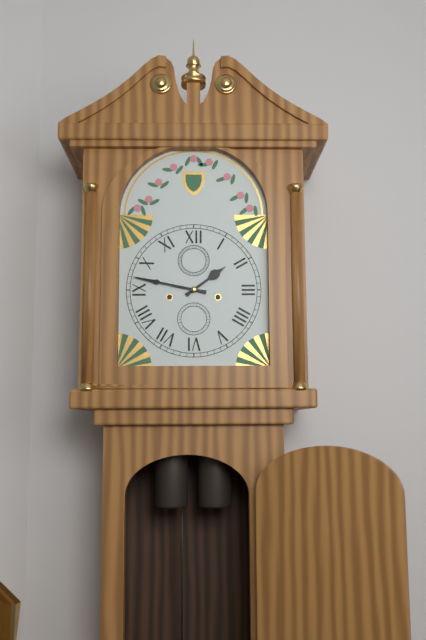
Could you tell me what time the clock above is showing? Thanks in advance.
1:47
